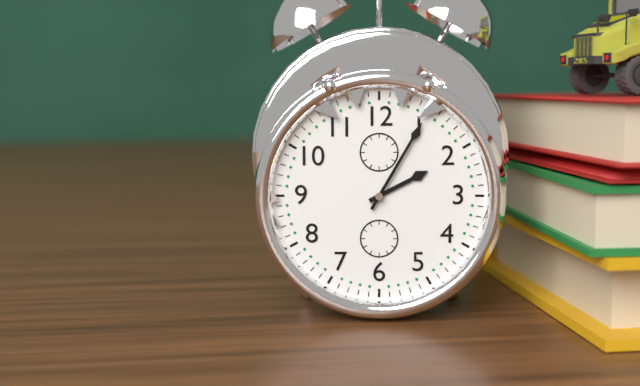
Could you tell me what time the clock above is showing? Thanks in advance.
2:05
